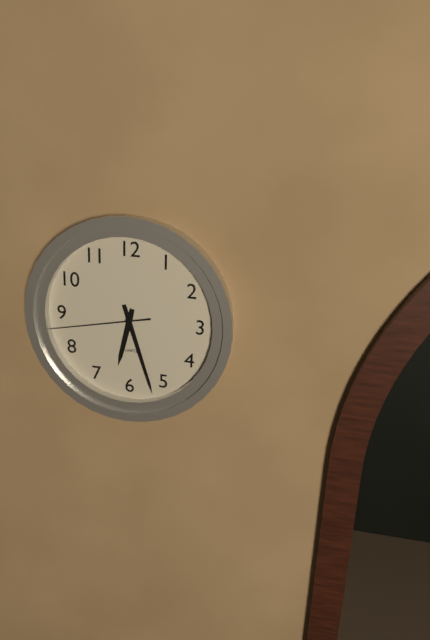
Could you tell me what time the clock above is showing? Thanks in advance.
6:27:43
